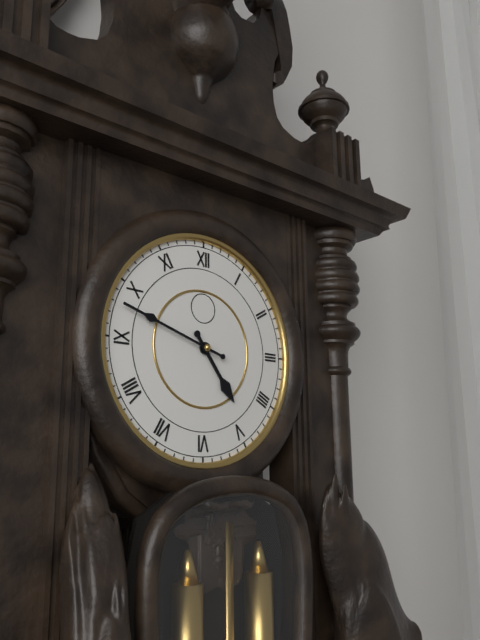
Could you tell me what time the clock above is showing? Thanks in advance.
4:48
